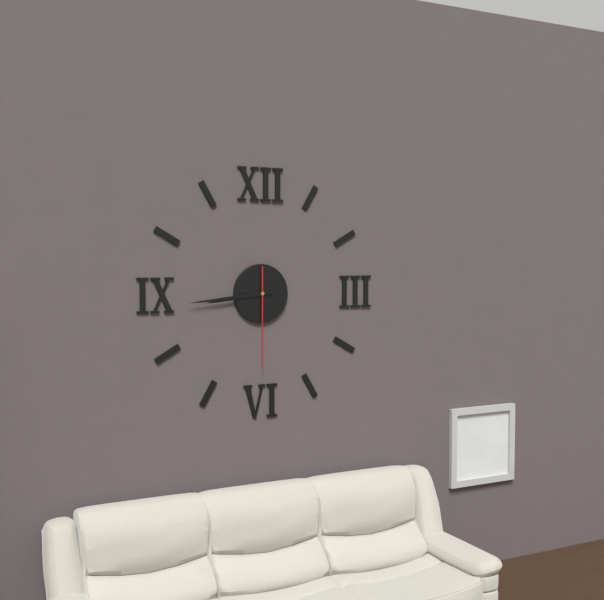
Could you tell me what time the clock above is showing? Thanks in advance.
8:44:30
